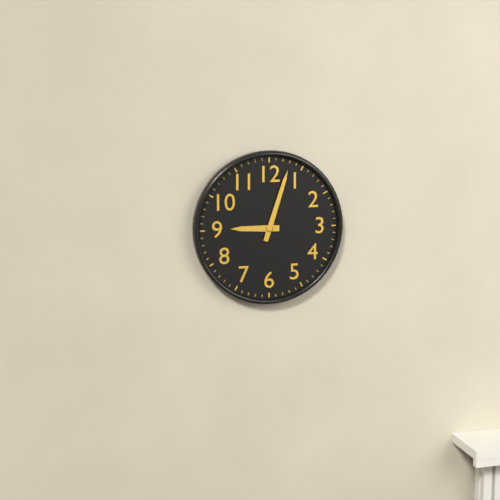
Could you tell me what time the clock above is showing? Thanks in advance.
9:03
